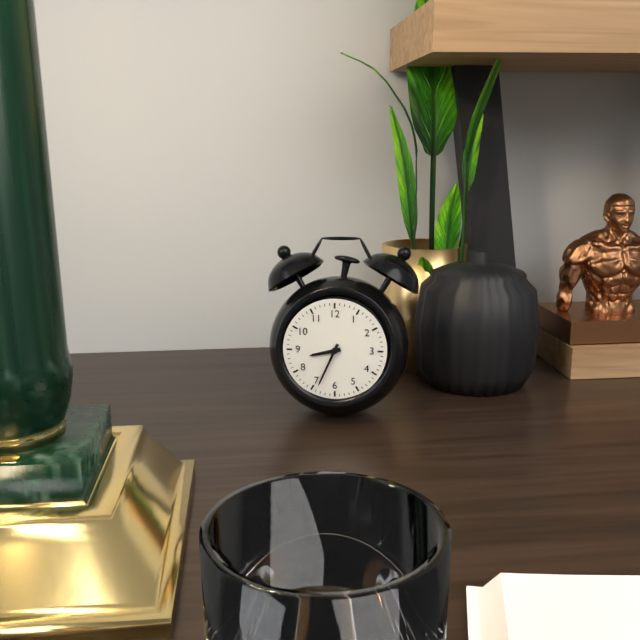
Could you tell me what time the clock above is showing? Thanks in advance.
8:34
